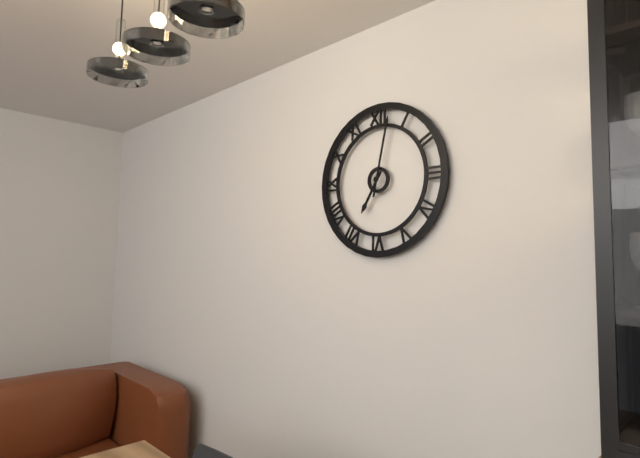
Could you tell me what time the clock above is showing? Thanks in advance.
7:02
